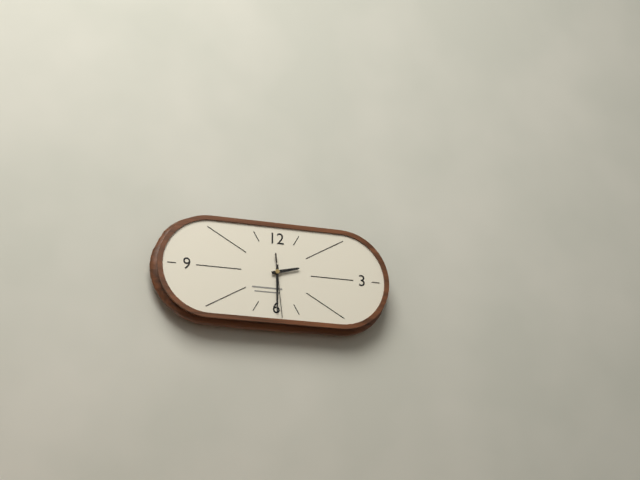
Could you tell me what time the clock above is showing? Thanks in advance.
2:30:29
